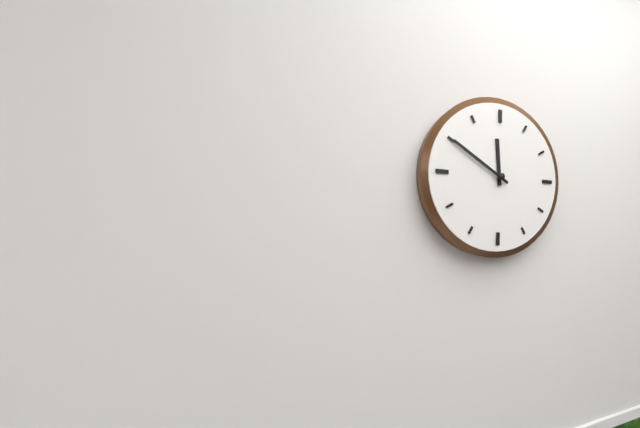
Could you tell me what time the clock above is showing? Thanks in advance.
11:50
